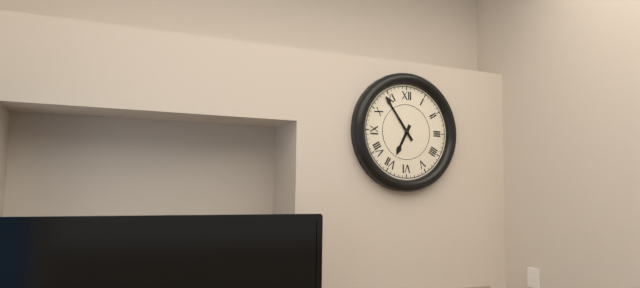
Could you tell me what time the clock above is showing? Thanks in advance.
6:54
